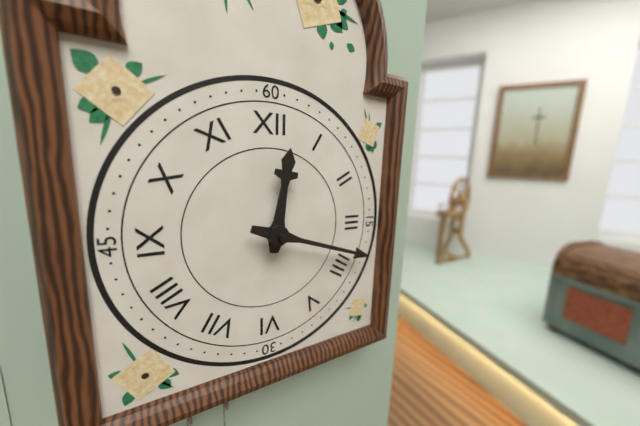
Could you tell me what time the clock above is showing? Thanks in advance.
12:18
